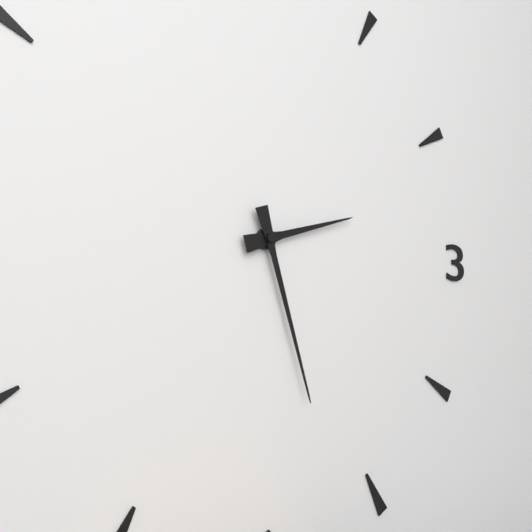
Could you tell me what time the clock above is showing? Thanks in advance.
2:27
